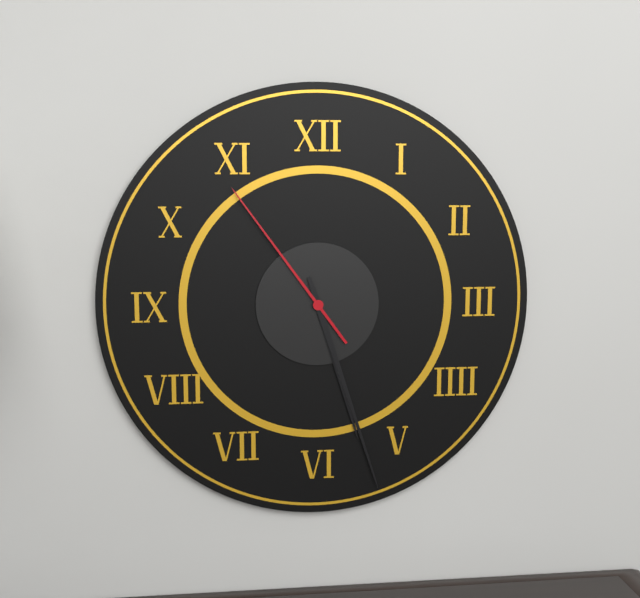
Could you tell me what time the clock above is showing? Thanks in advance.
5:27:54
